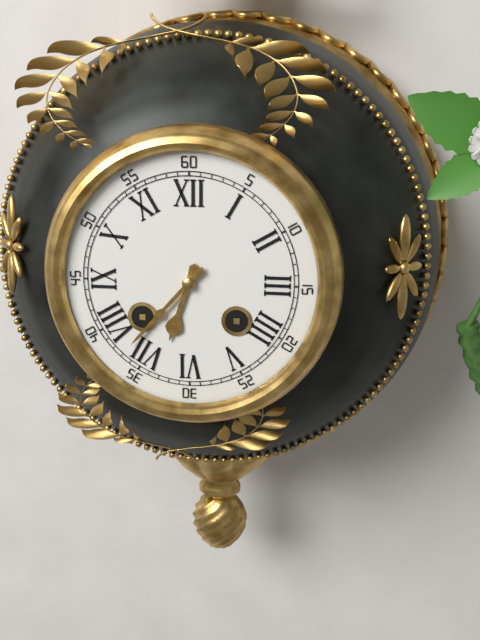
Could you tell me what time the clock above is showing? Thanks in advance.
6:37
